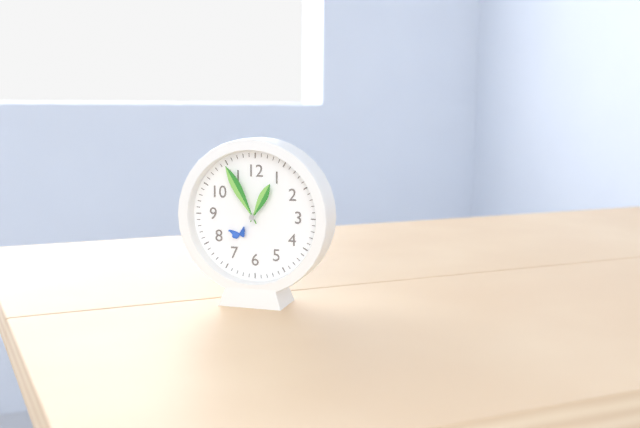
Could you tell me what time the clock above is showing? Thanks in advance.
12:55
